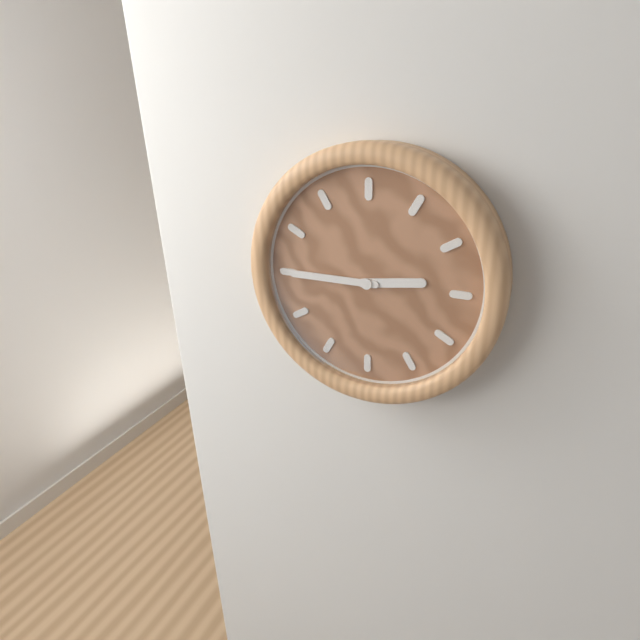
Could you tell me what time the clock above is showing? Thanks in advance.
2:45
